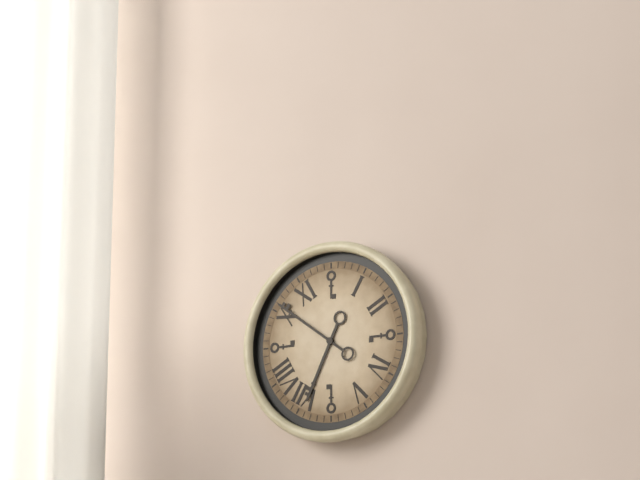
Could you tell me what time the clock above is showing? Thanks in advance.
6:51
